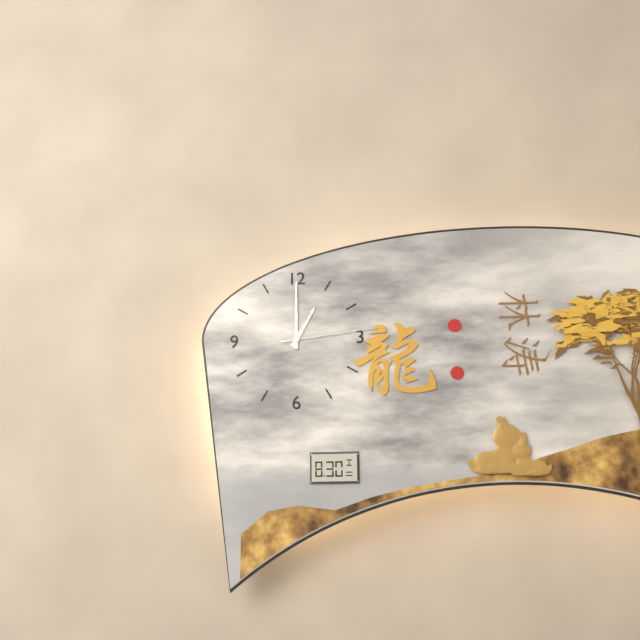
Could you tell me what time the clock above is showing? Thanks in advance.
1:00:14
